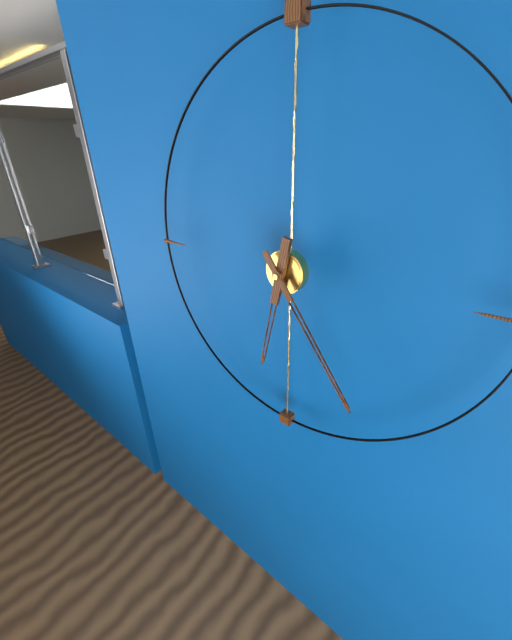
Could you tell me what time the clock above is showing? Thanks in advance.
6:24
